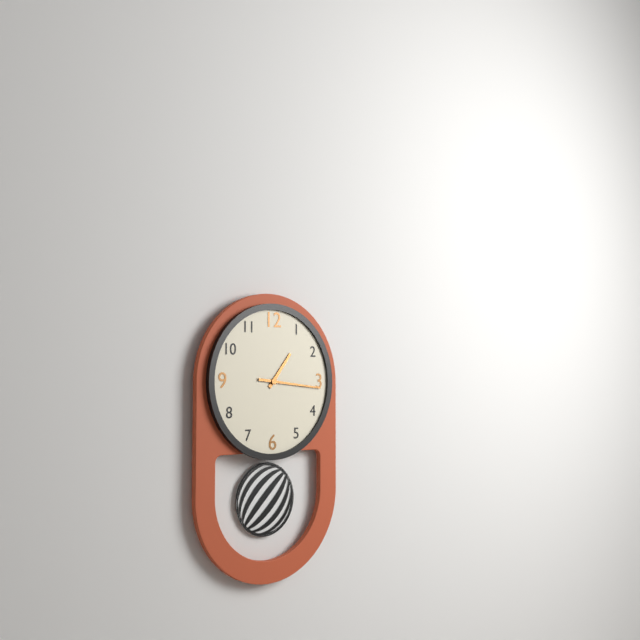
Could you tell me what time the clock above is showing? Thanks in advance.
1:16
